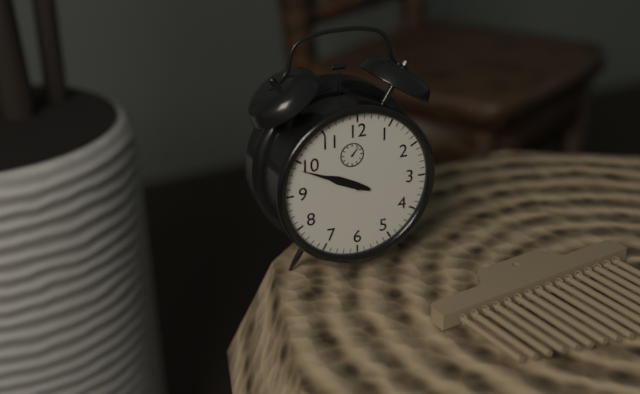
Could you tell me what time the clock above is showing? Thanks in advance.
9:49
